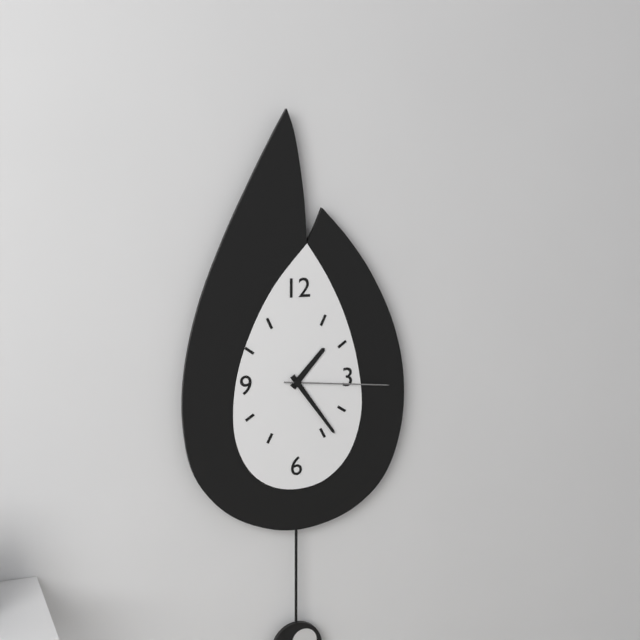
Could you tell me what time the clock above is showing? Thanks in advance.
1:24:16
